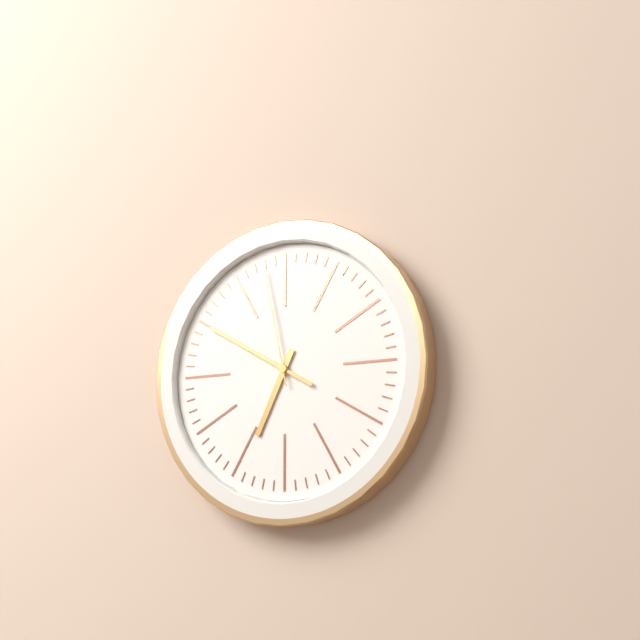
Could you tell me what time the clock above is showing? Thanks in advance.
6:50:58
